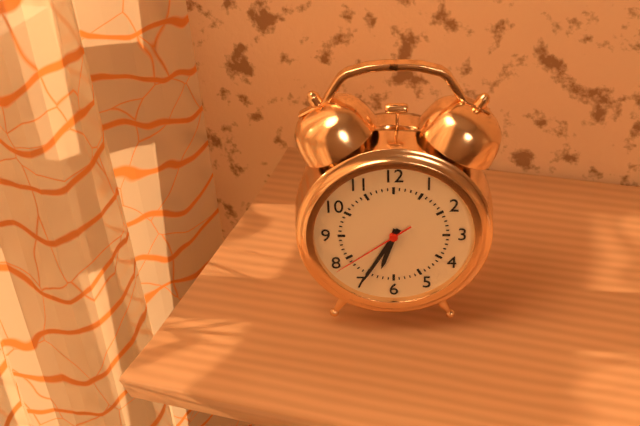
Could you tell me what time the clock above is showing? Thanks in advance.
6:35:39
